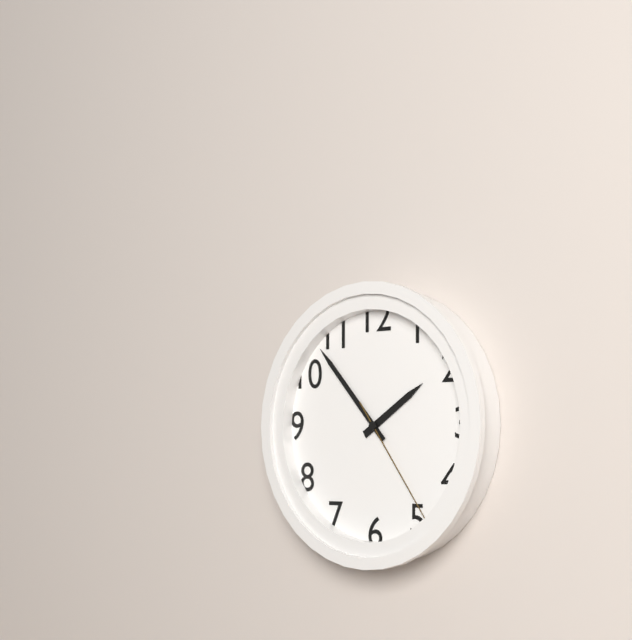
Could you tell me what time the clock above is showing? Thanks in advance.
1:53:24
